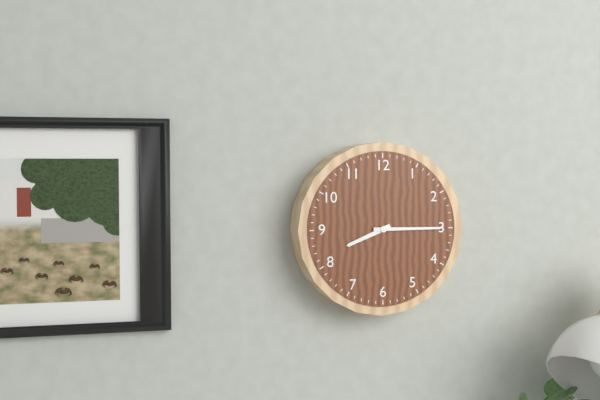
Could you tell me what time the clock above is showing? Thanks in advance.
8:15
